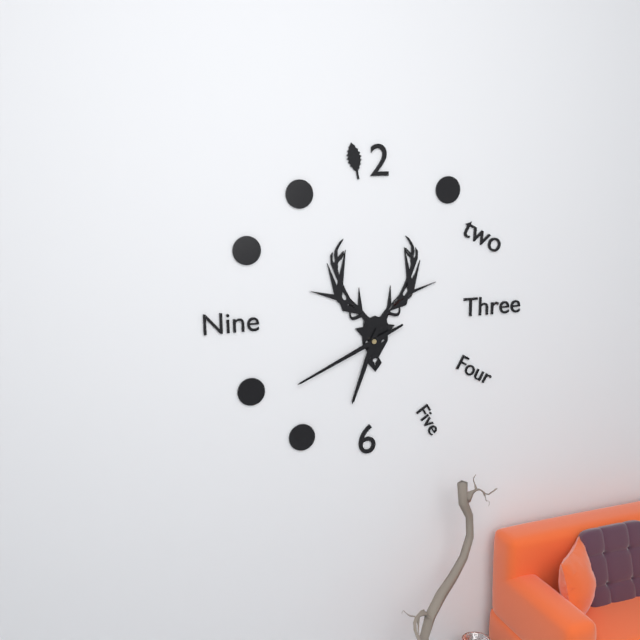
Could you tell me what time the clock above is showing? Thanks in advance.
6:41
